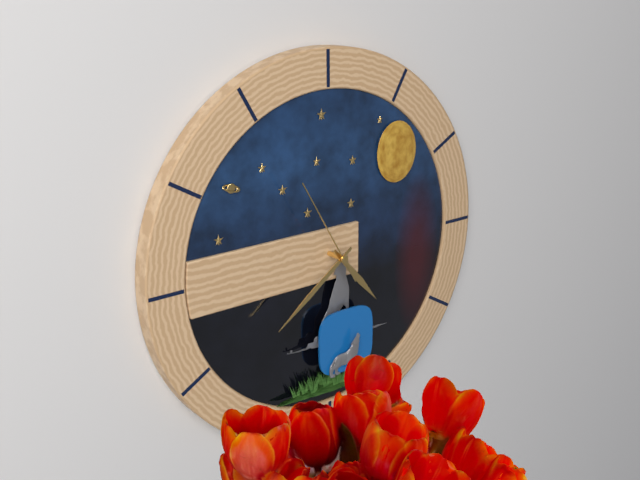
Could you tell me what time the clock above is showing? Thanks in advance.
4:39:55
